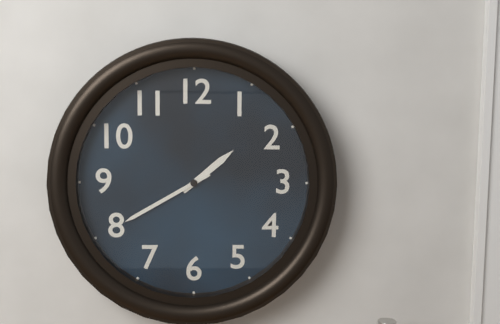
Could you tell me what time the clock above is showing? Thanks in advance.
1:40
